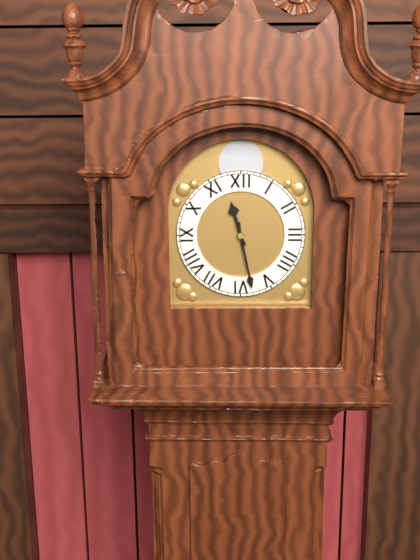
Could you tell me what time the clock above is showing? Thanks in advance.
11:28
